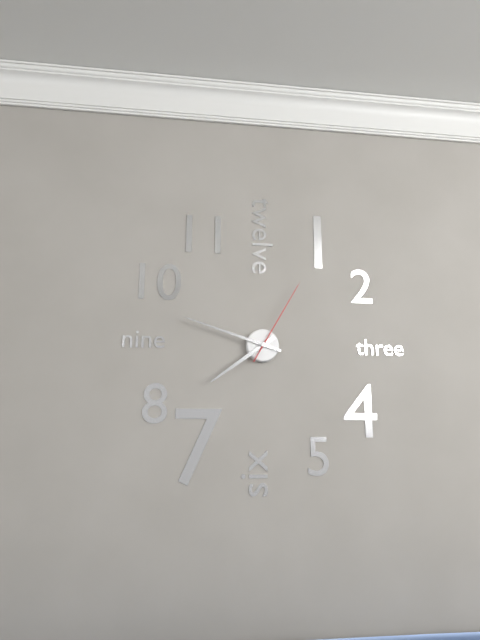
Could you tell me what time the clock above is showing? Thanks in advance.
7:48:05
